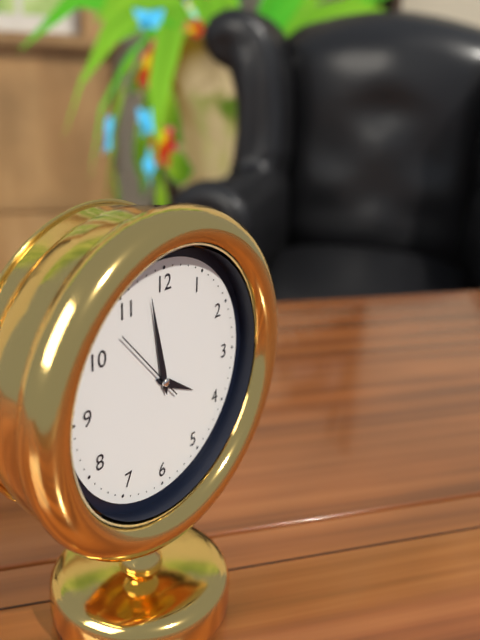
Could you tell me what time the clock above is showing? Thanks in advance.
3:58:53
